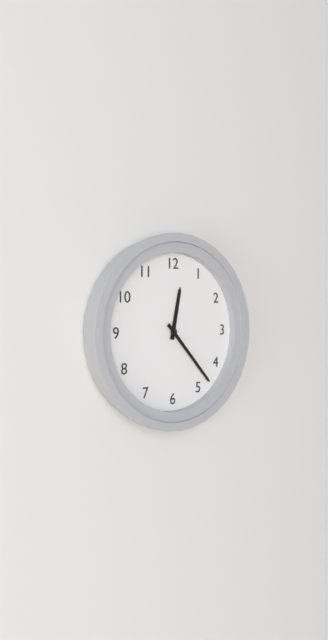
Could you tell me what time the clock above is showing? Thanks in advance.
12:23
